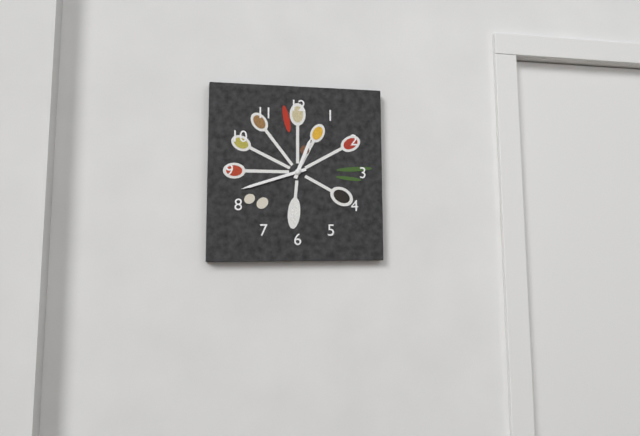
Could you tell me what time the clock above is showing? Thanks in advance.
12:42
